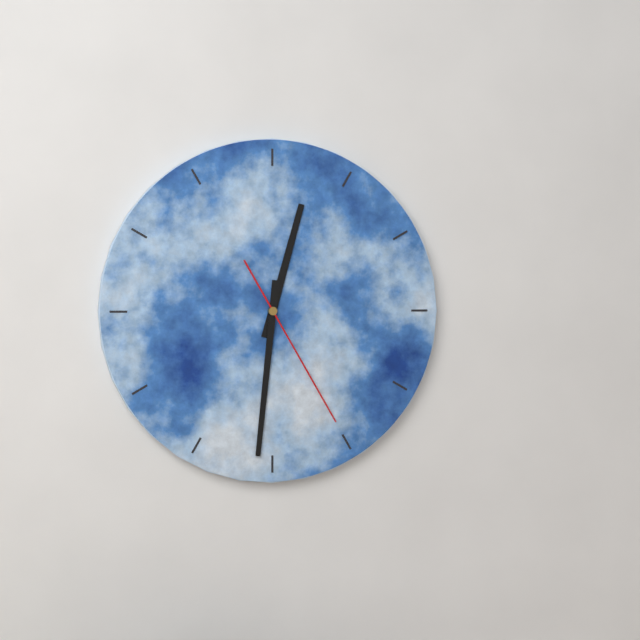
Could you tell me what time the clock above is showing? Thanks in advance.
12:31:25
